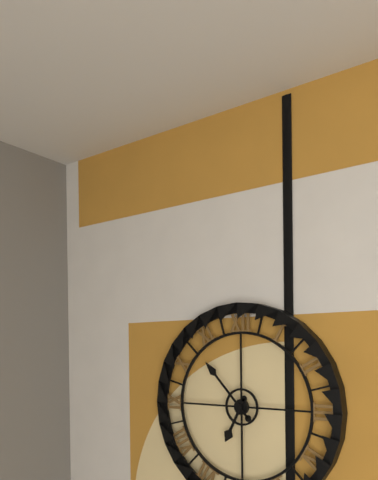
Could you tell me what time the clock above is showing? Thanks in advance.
6:53
